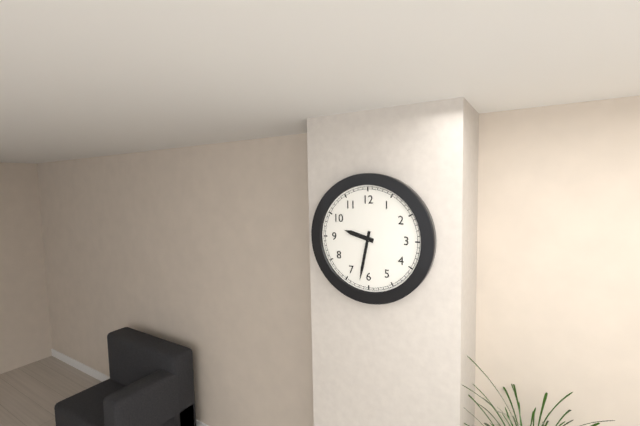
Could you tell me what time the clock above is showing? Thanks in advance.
9:32
